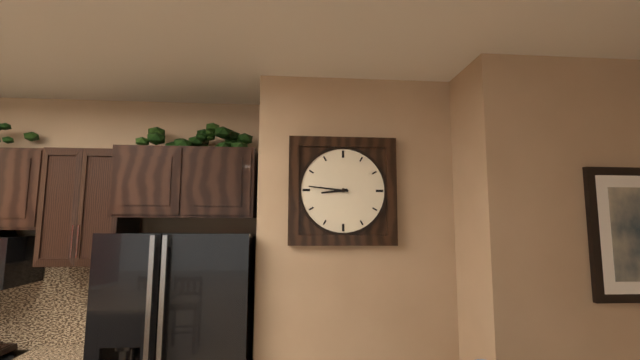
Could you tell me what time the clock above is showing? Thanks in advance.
8:46
